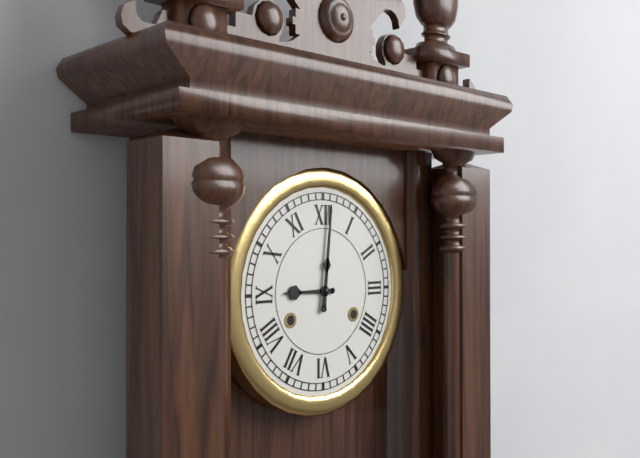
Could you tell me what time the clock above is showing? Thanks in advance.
9:01
